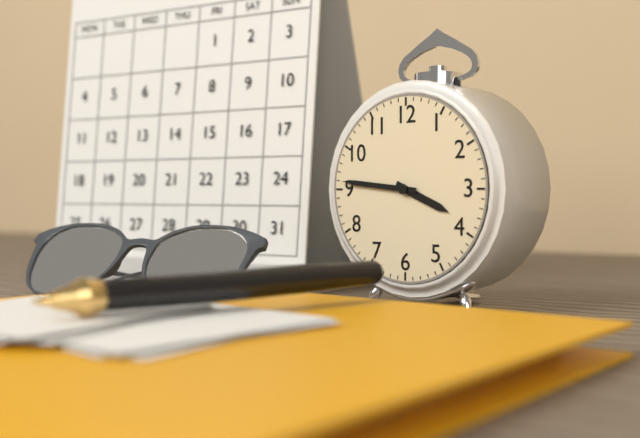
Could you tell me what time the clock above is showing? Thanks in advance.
3:46
